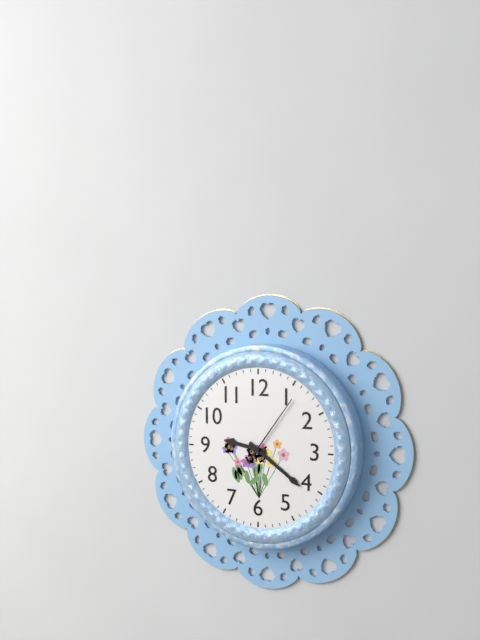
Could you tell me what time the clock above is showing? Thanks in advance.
9:21:06
